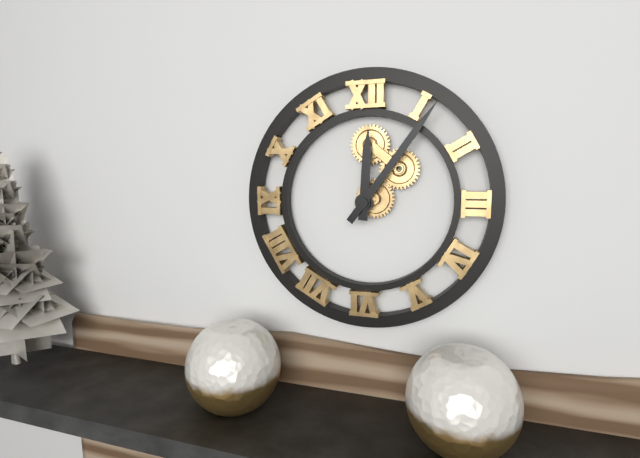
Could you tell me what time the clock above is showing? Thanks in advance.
12:06
